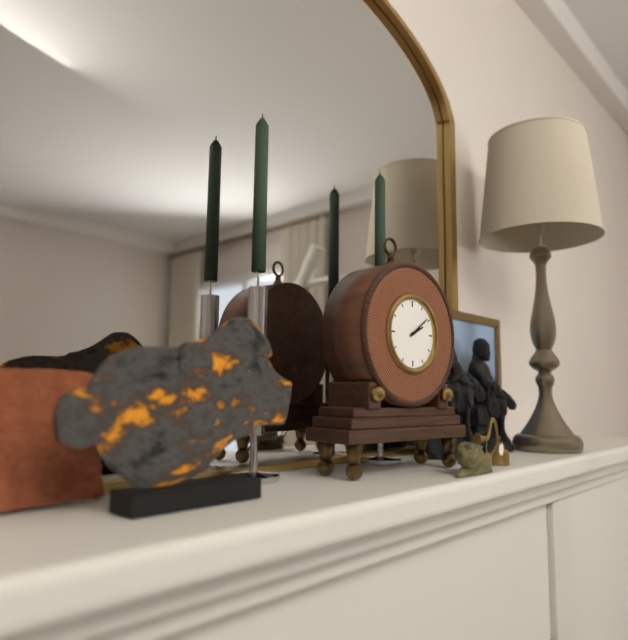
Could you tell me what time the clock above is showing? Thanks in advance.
2:09
